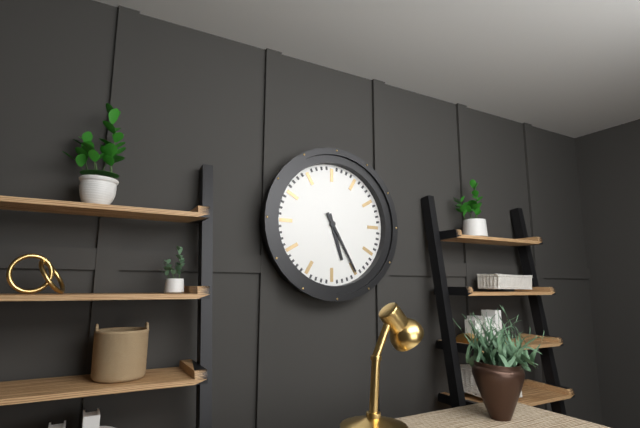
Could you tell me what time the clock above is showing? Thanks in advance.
5:25
